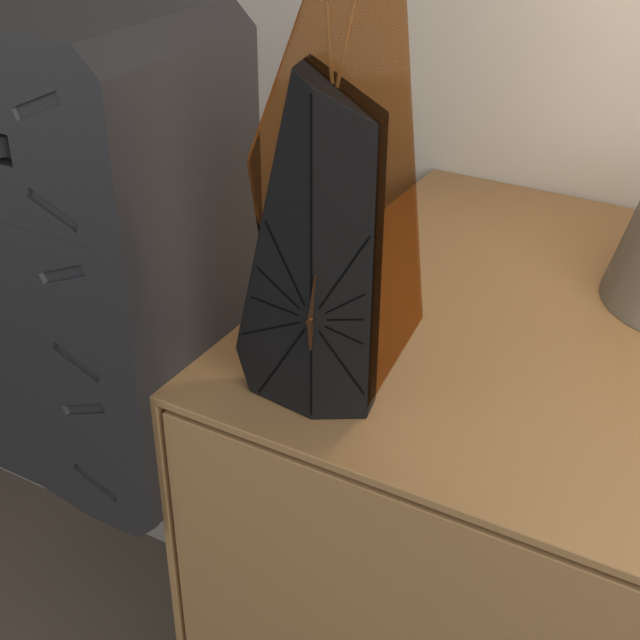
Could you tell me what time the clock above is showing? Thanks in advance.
6:01
